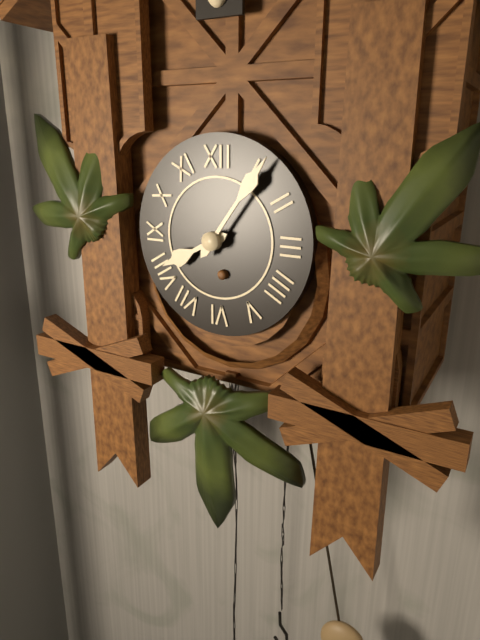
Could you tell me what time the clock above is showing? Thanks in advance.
8:06
